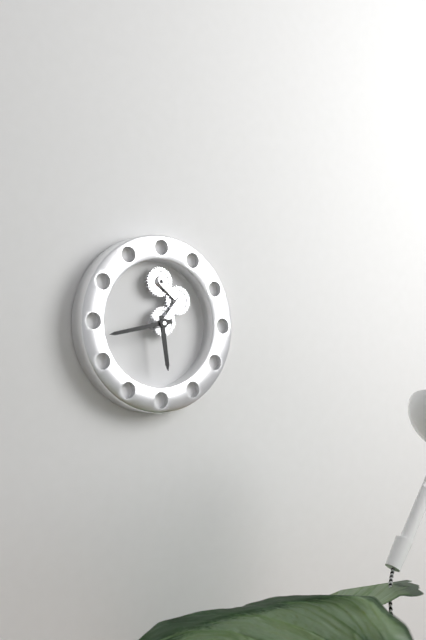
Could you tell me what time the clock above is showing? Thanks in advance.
5:43
